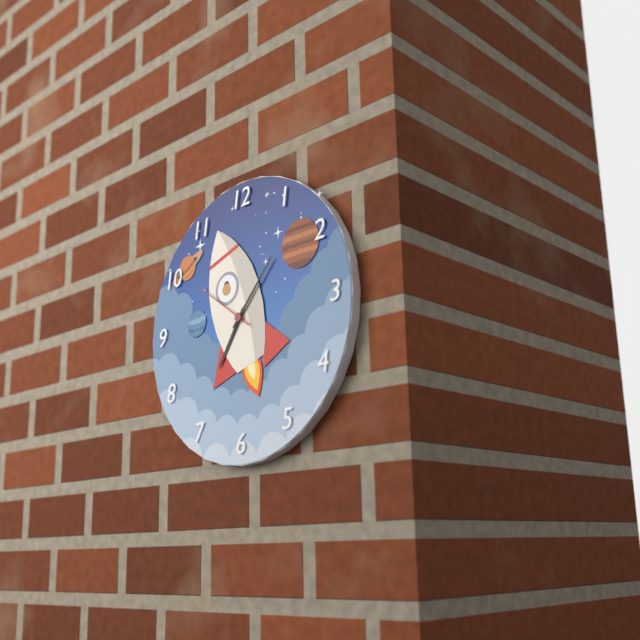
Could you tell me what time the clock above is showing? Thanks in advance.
7:07:51
